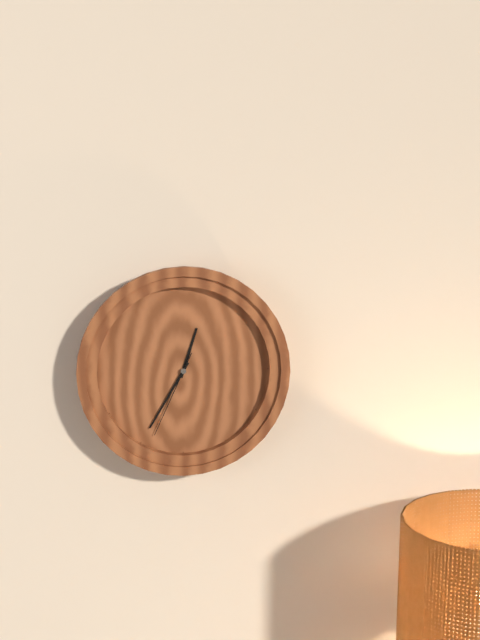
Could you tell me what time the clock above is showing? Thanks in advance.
12:35:34
